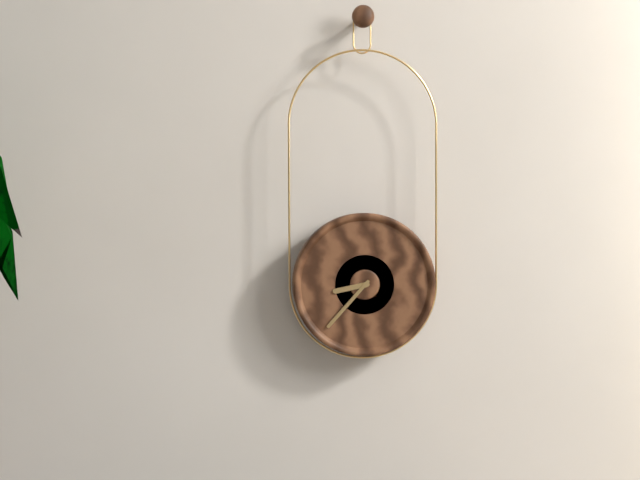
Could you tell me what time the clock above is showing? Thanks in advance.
8:37
